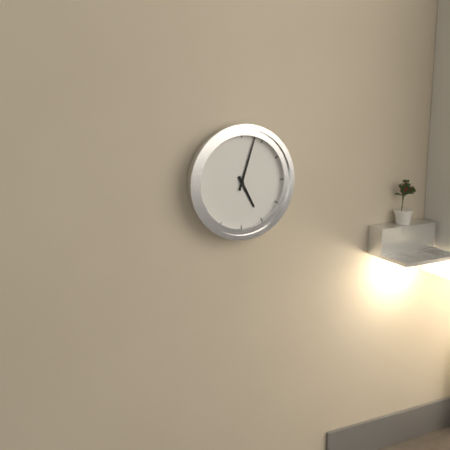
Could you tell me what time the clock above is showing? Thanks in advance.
5:03
